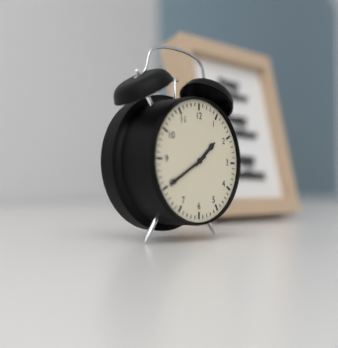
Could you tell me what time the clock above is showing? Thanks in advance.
1:40
